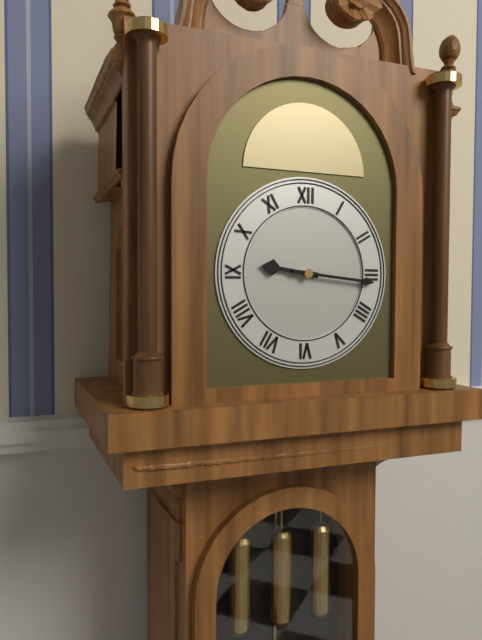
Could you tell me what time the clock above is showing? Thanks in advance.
9:16
